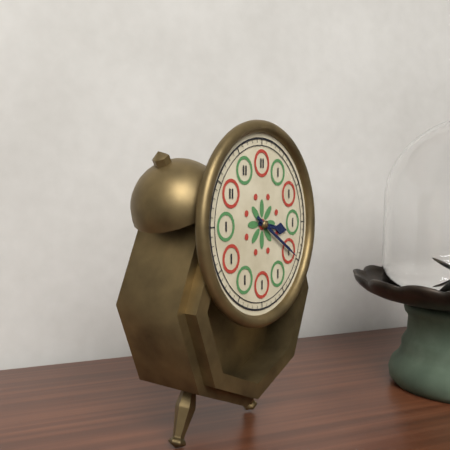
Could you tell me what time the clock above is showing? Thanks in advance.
3:20
